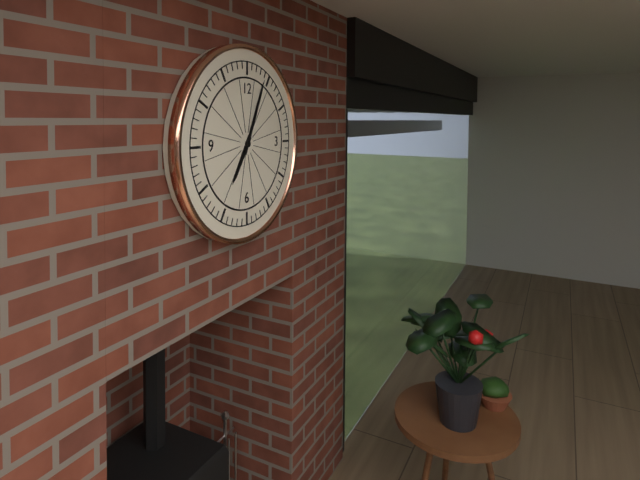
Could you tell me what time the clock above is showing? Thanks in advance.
7:04
